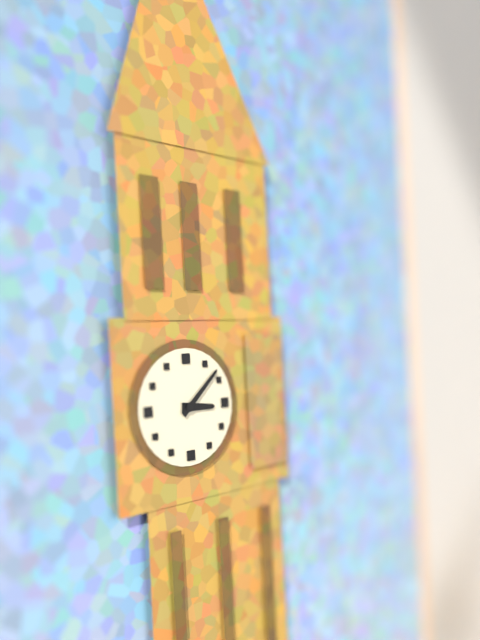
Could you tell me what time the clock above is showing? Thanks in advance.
3:08
